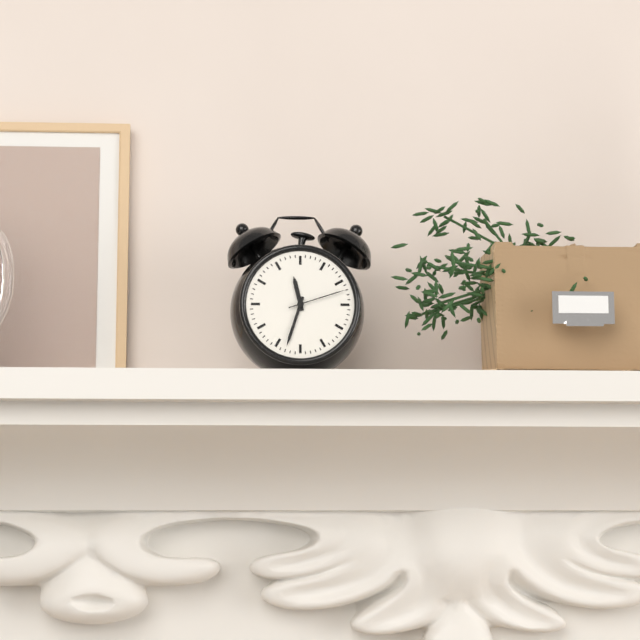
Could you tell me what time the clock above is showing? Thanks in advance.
11:33:12
